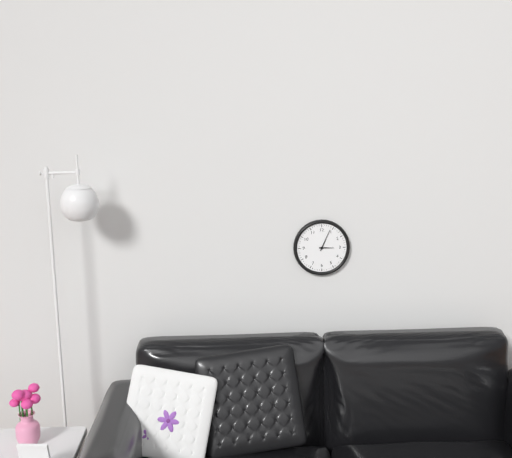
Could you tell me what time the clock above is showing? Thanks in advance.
3:04
